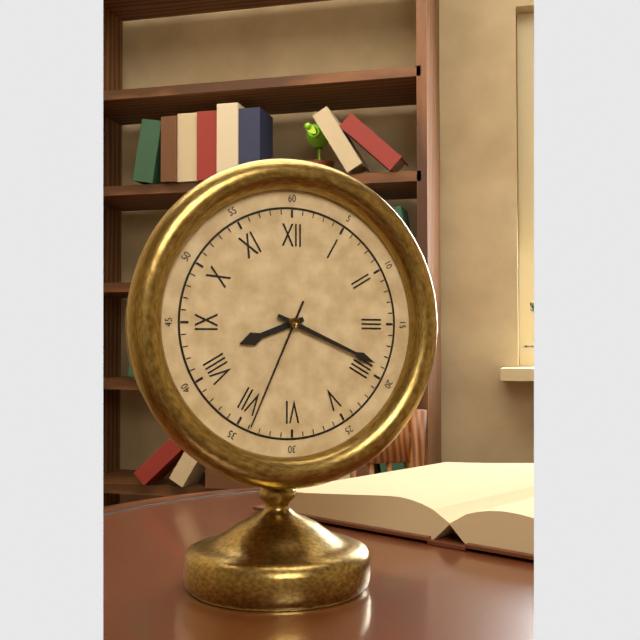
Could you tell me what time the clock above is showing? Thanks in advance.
8:19:34
